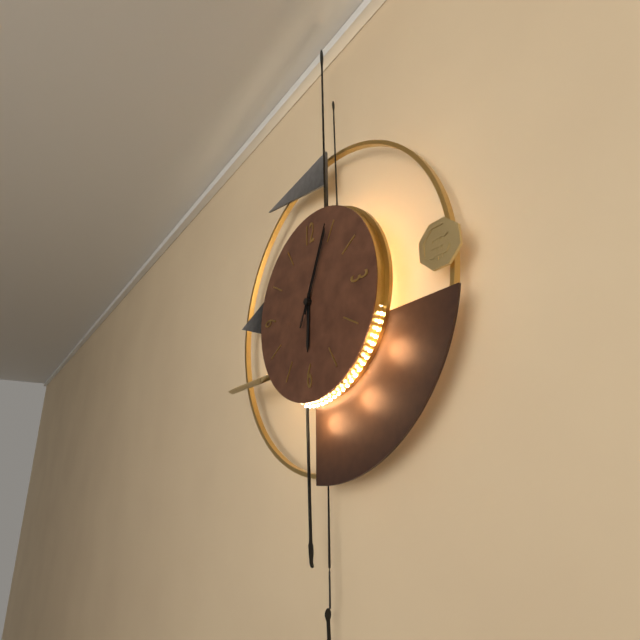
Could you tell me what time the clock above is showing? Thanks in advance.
6:04:04
